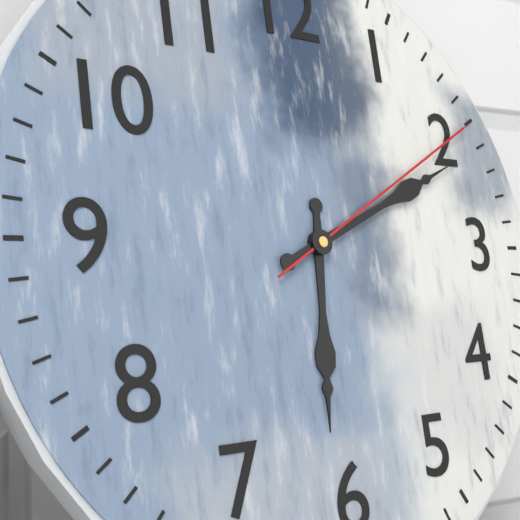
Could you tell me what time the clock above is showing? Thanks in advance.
6:11:10
